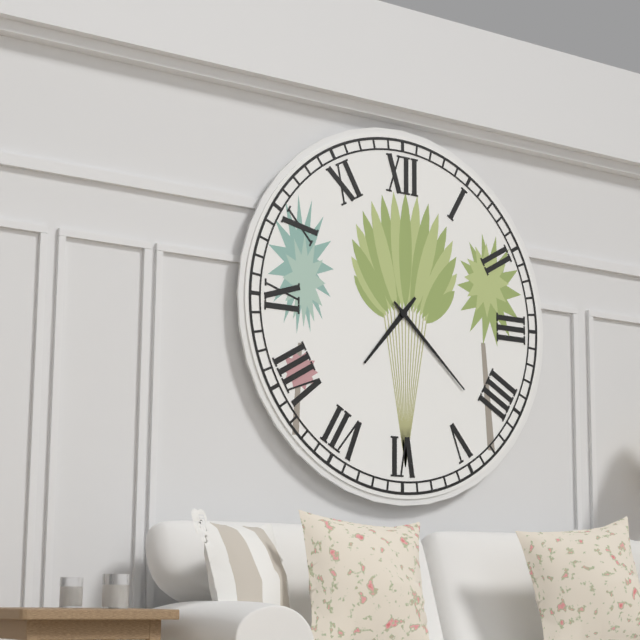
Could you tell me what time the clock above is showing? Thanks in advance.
7:22
